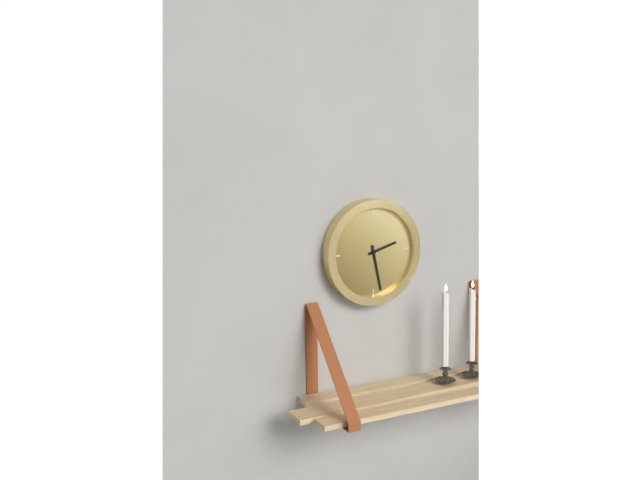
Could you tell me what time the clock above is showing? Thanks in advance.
2:28
